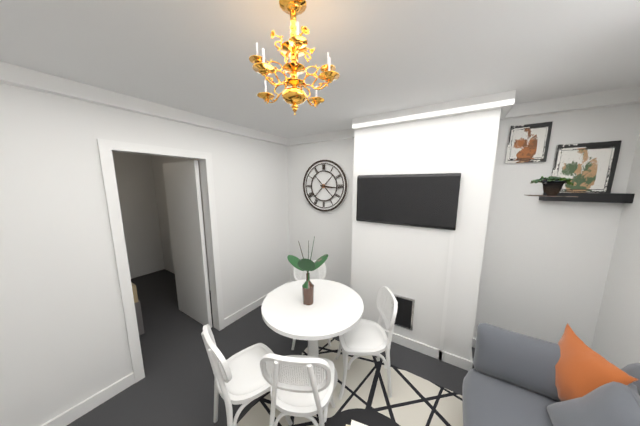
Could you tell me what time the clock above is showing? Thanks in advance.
3:16
